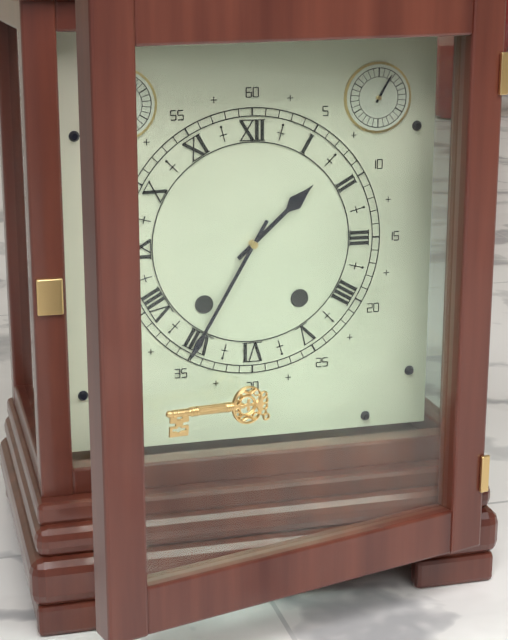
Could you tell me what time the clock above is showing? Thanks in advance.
1:35
